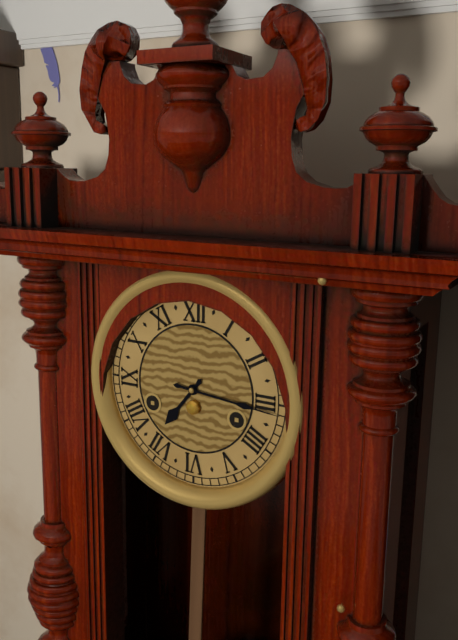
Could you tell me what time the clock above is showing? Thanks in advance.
7:16
